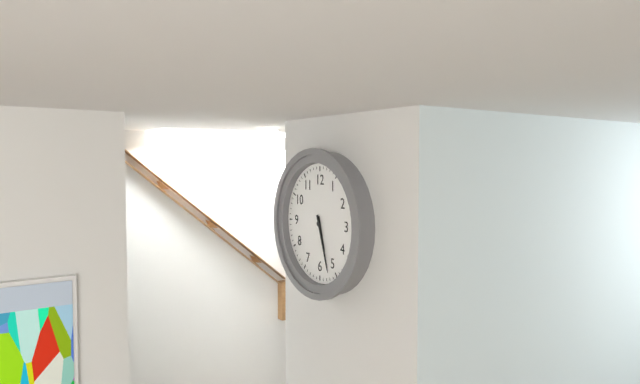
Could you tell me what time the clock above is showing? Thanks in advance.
5:27
